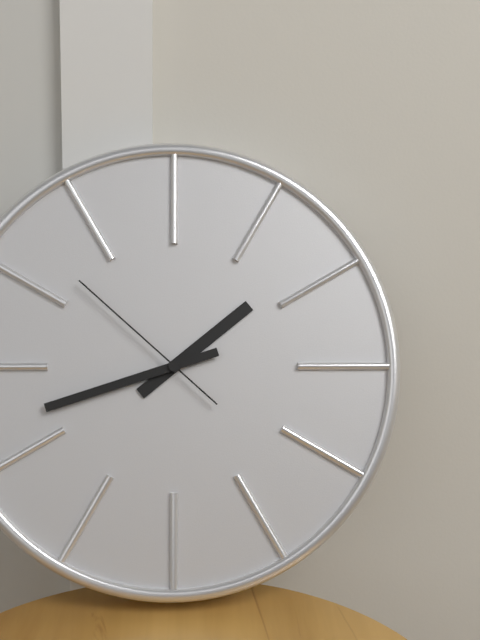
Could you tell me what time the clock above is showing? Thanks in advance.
1:42:52
